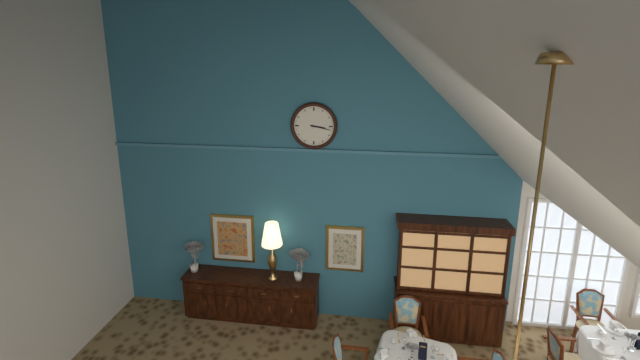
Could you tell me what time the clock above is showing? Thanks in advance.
3:17
